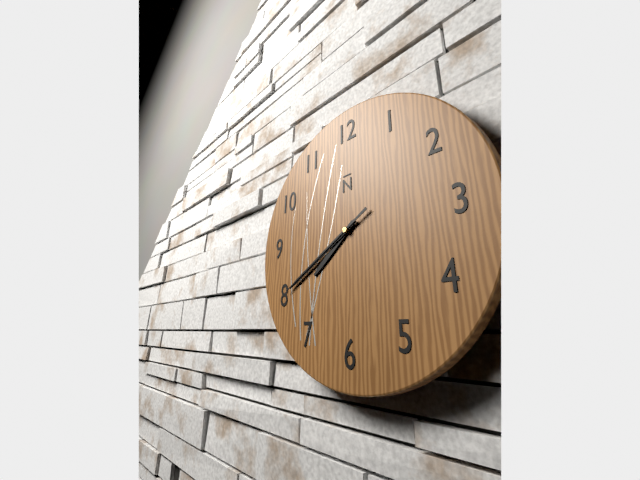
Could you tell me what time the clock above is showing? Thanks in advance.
7:40:40
